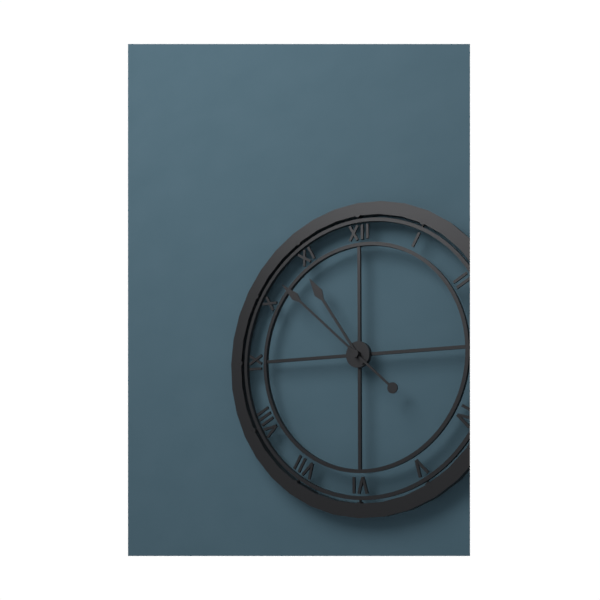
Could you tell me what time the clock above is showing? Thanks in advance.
10:52
